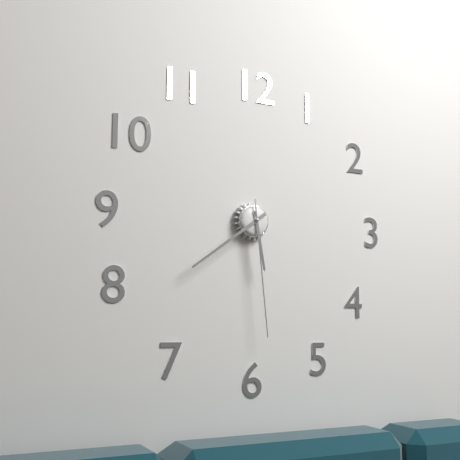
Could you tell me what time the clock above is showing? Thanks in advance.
5:39:29
